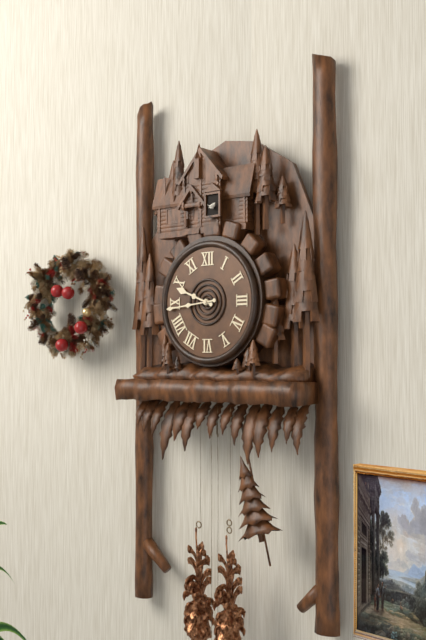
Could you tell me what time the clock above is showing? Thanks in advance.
9:44
